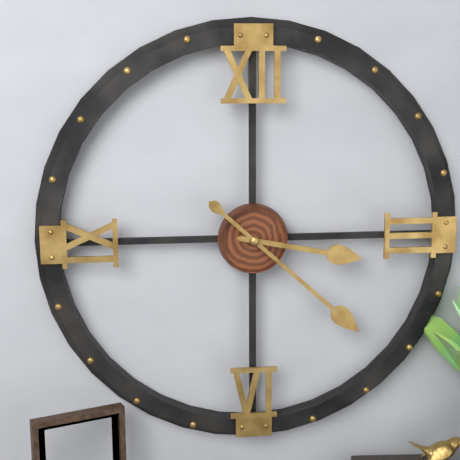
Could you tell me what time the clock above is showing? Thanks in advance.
3:22
